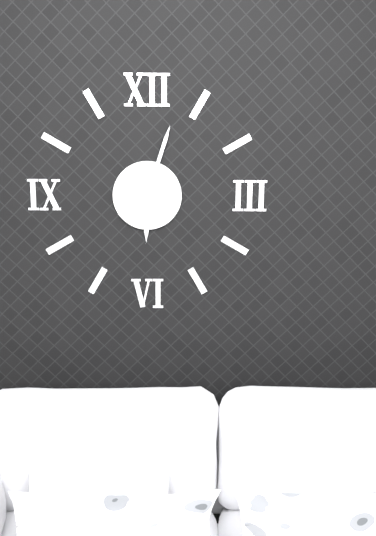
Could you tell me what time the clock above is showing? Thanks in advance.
6:03
